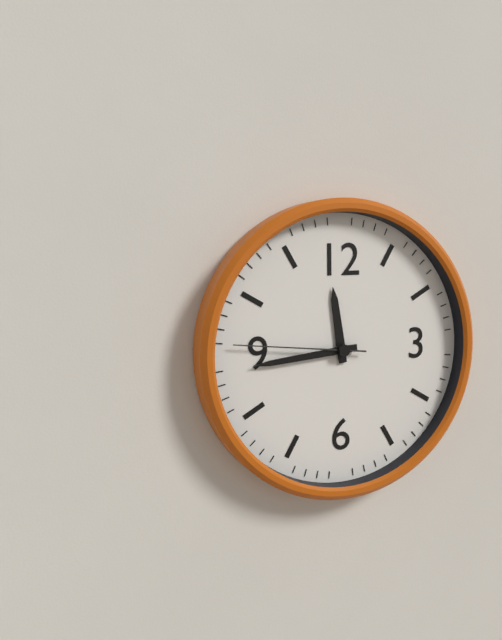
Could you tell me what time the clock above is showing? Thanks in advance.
11:44:46
